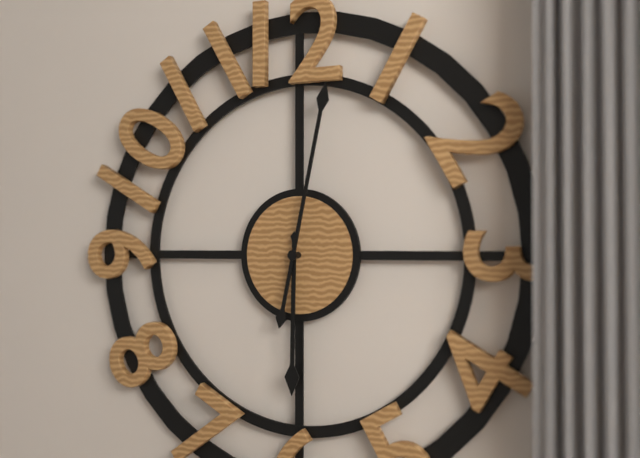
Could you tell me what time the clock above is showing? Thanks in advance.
6:02
